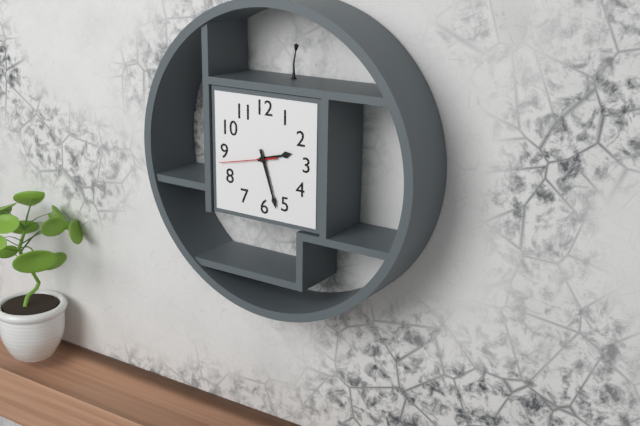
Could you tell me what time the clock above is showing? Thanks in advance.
2:27:43
